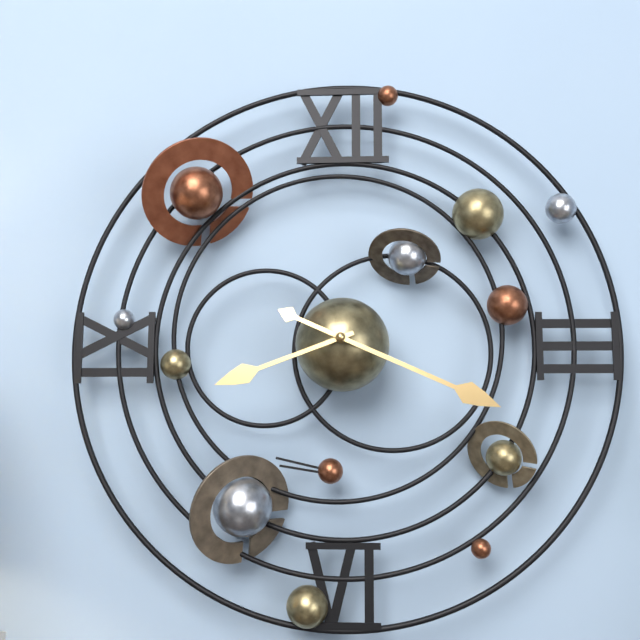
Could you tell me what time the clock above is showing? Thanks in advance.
8:19
